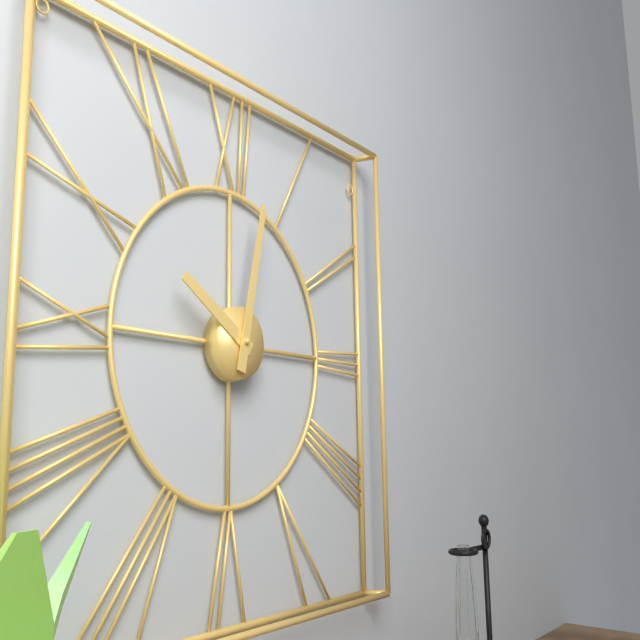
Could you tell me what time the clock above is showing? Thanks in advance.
10:02
